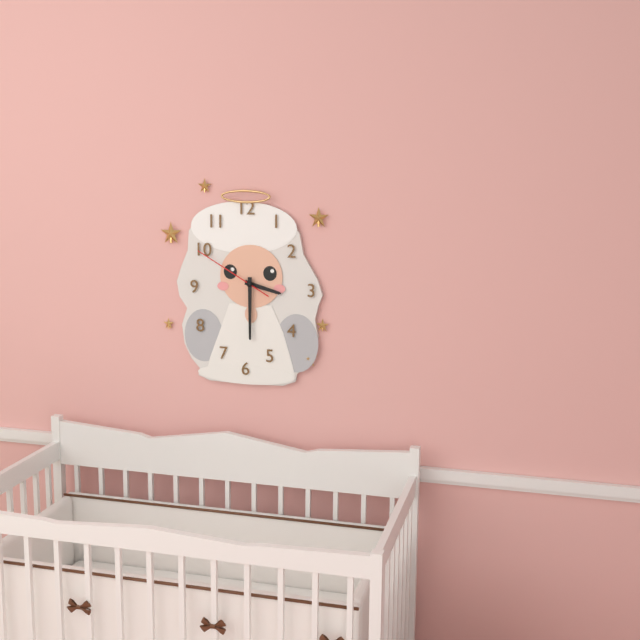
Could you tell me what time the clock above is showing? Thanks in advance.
3:30:50
